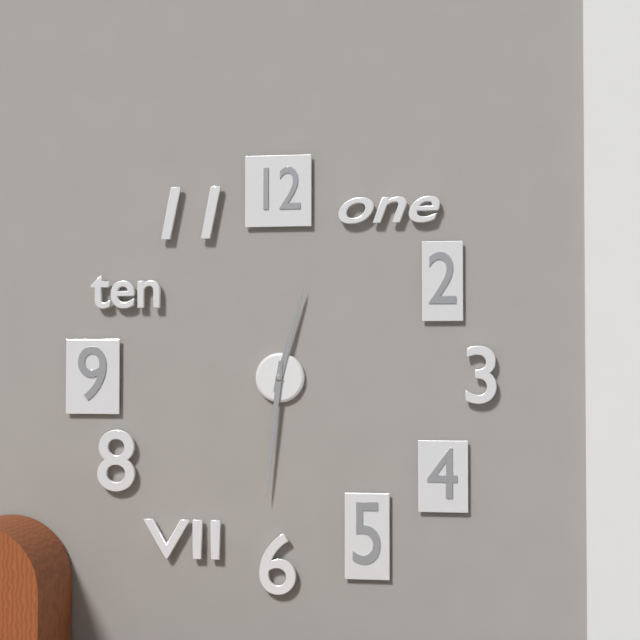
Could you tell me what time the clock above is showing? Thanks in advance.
12:31
